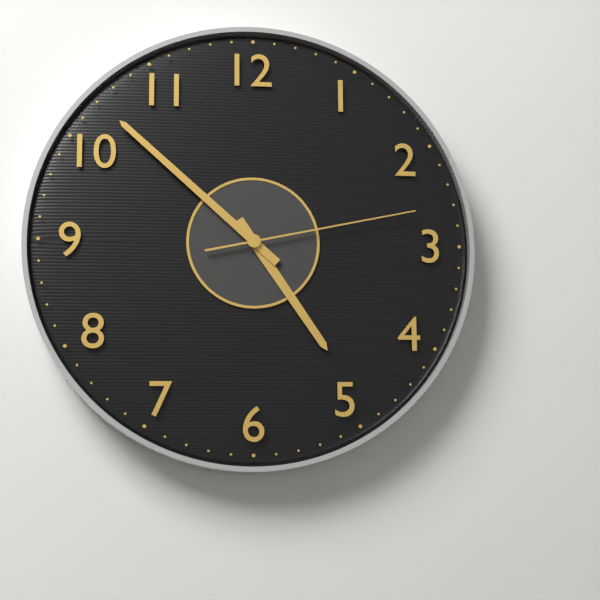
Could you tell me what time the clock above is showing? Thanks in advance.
4:52:13
